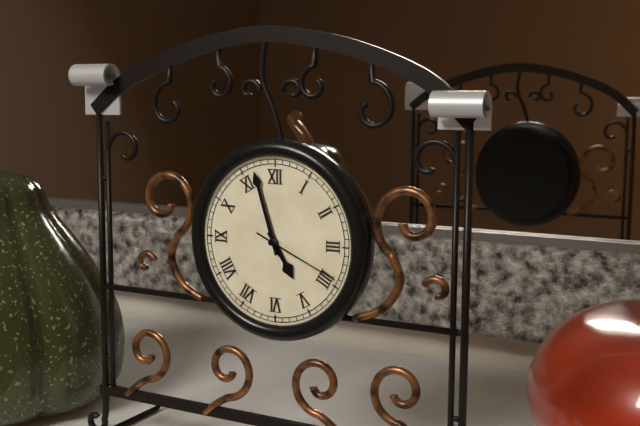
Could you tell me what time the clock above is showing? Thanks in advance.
4:57:19
